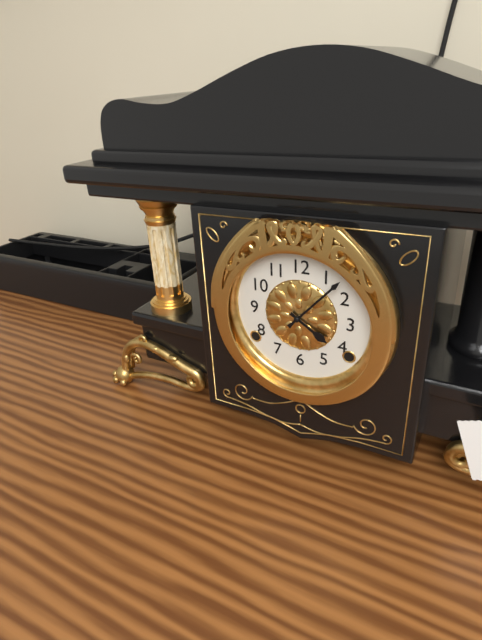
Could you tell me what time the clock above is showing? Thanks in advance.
4:07
